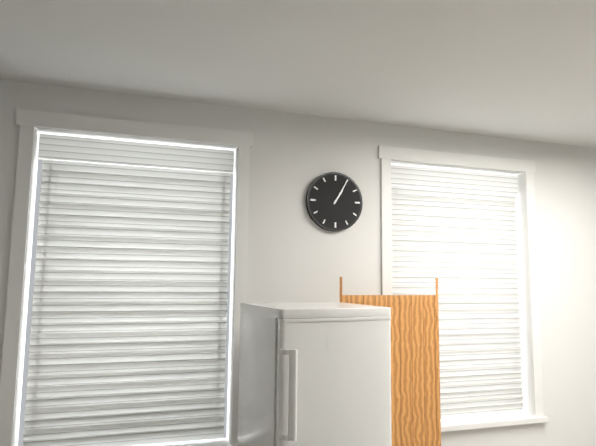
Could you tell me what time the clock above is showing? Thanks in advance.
1:05
